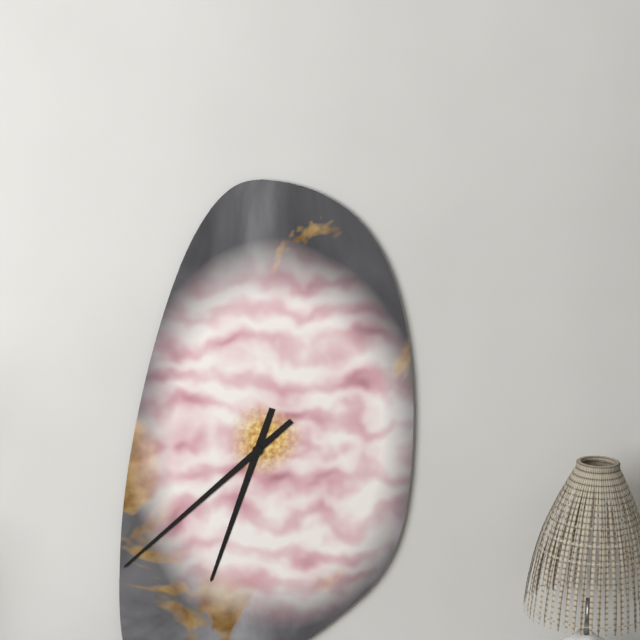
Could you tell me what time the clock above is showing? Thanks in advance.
6:38
